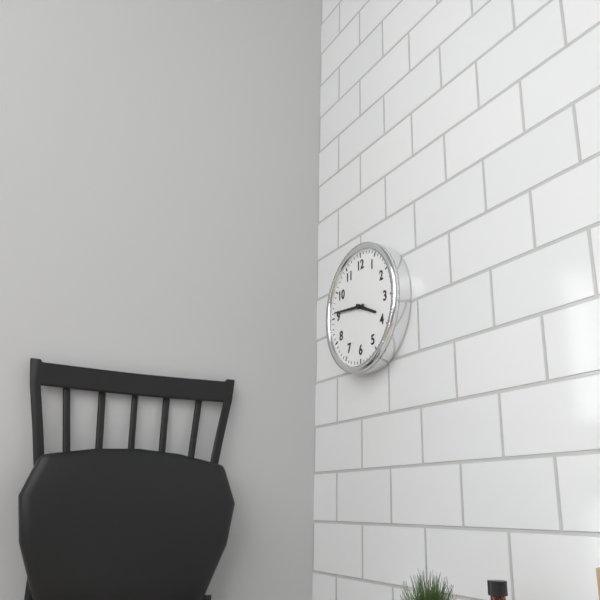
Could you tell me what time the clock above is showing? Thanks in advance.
3:46
